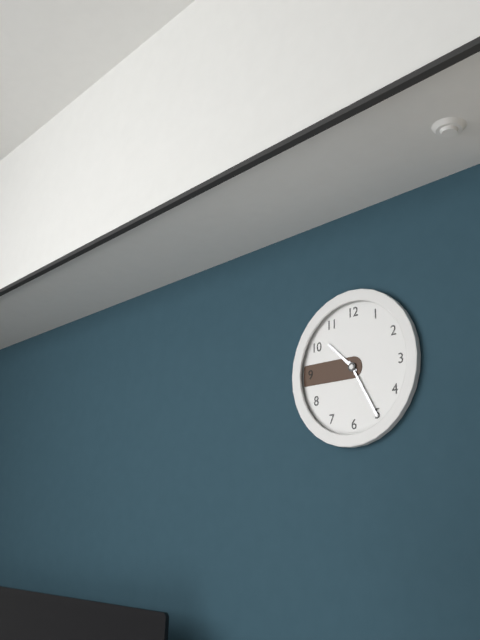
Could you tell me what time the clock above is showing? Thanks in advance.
10:25
